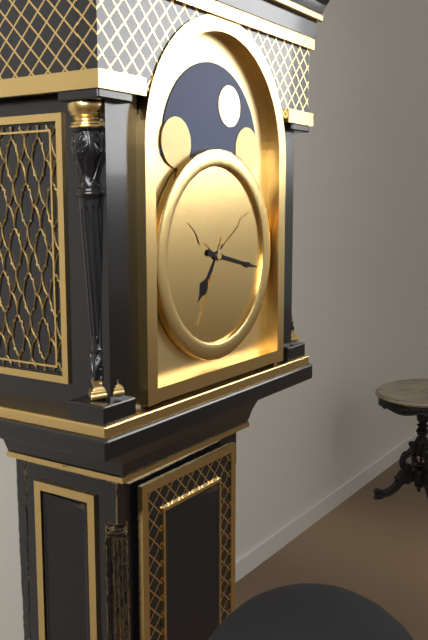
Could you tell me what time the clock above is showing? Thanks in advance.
7:17
